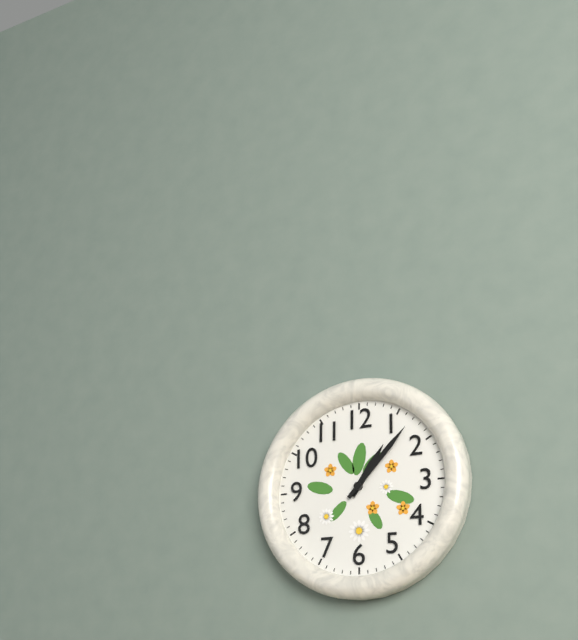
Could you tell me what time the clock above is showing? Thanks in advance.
1:07
